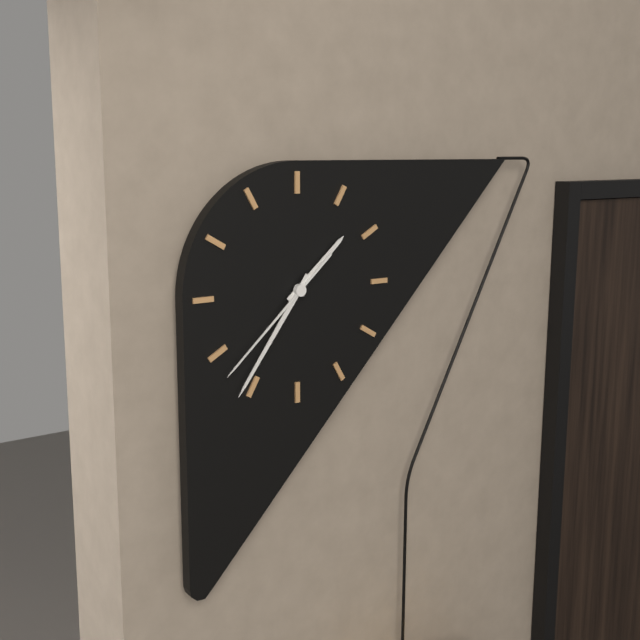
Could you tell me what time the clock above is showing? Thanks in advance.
1:36:38
